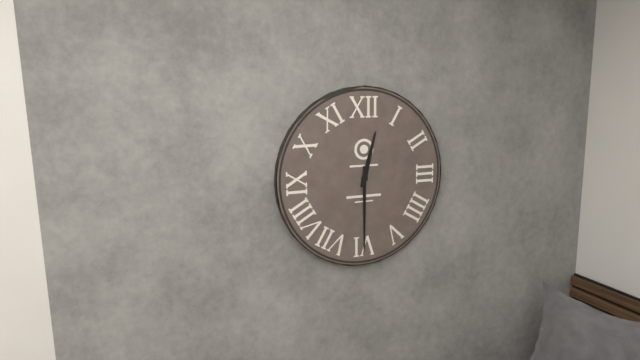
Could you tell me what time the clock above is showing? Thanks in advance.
12:30
